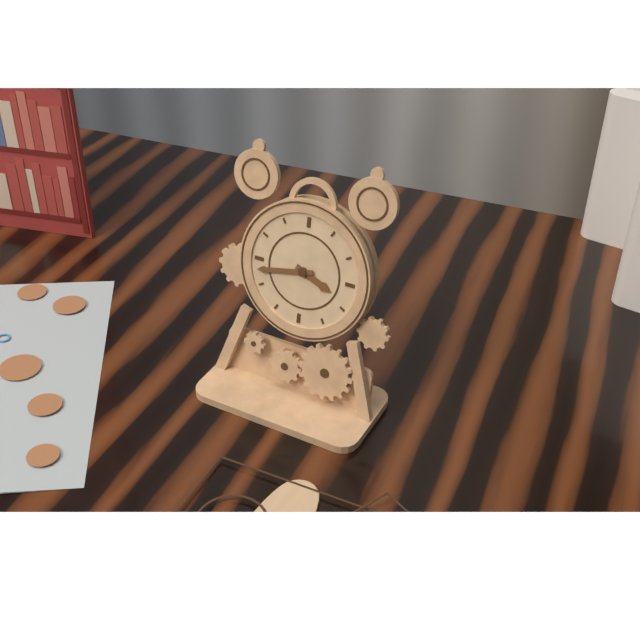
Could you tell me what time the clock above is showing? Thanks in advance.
3:43
